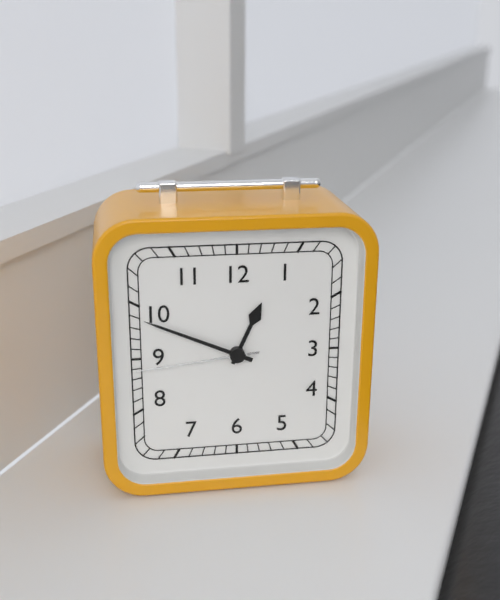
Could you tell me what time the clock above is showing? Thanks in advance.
12:49:44
